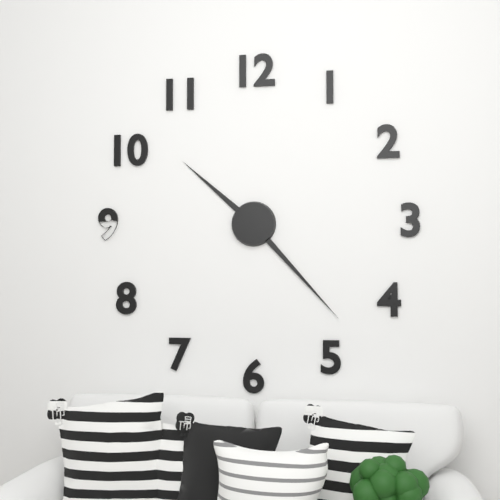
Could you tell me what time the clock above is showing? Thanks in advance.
10:23
